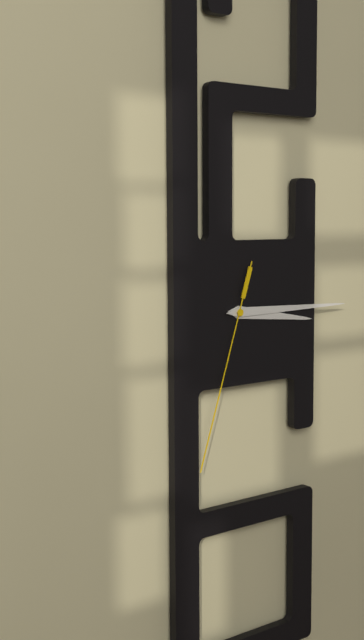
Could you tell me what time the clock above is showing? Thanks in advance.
3:15:33
